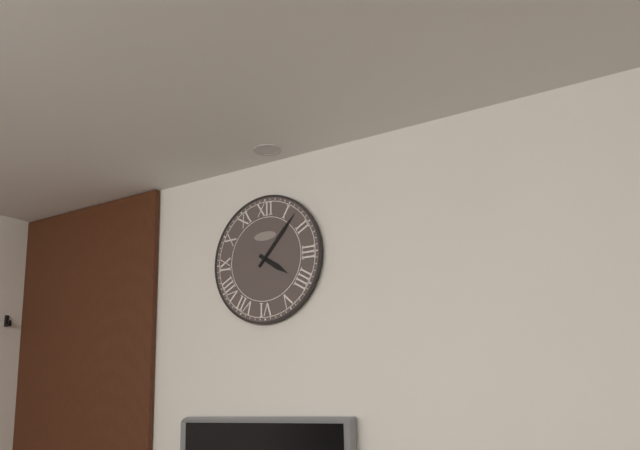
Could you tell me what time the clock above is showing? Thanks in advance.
4:07
